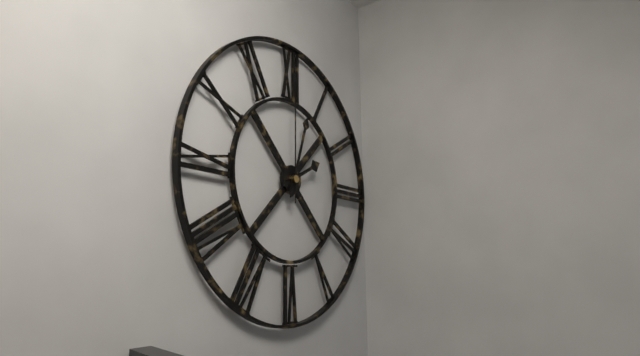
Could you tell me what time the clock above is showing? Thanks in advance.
2:03:00
